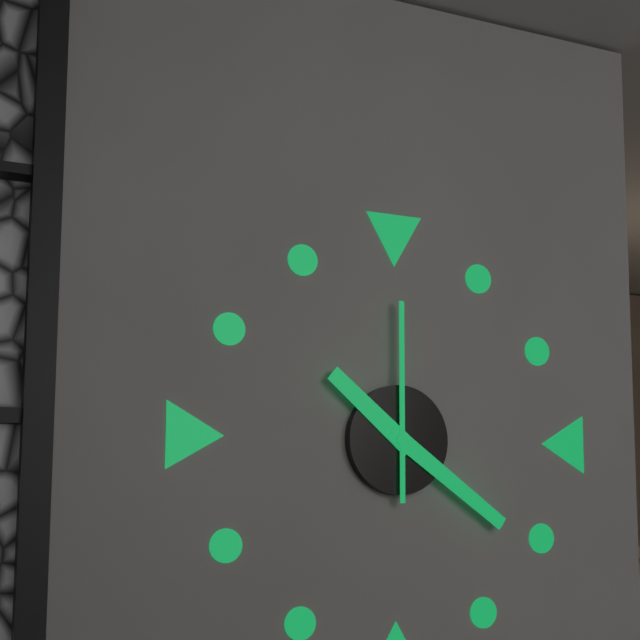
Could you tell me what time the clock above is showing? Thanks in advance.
10:21:00
